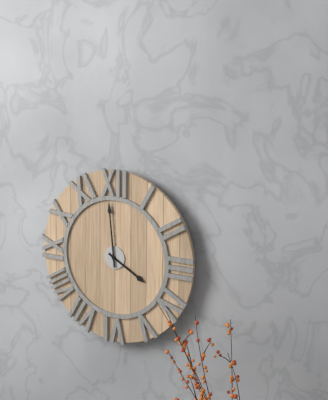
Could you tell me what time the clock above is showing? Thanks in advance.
3:59
